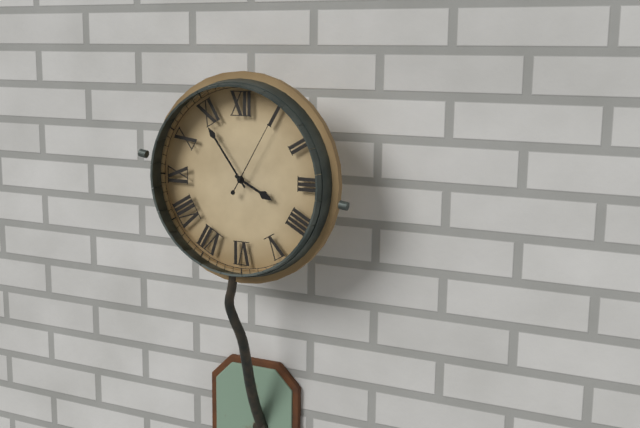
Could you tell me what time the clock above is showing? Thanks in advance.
3:54:05
